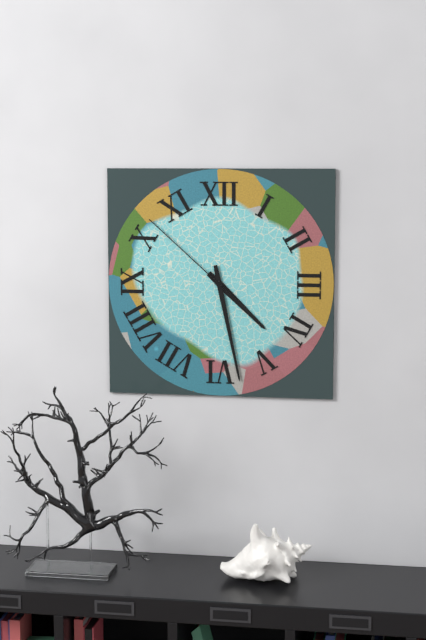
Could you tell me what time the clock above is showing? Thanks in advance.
4:28:52
